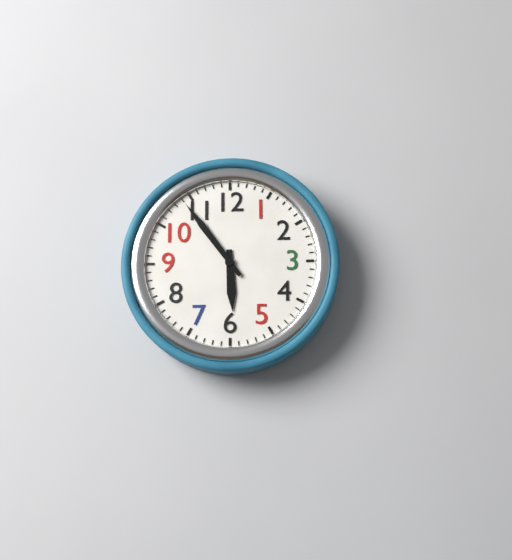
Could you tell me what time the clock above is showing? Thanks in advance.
5:54
